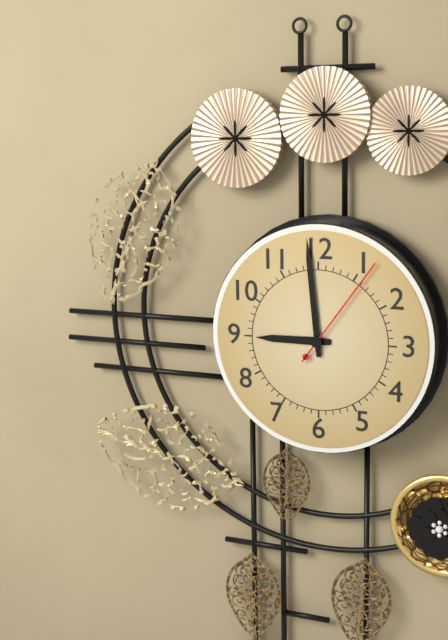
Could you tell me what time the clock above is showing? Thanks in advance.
8:59:06
